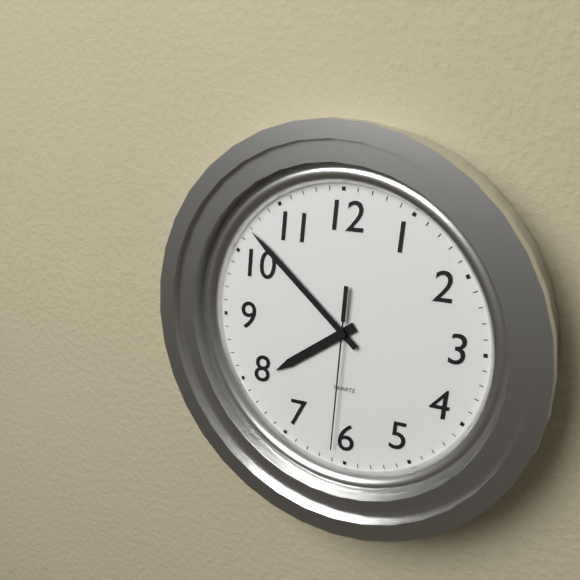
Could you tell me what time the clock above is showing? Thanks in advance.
7:52:31
